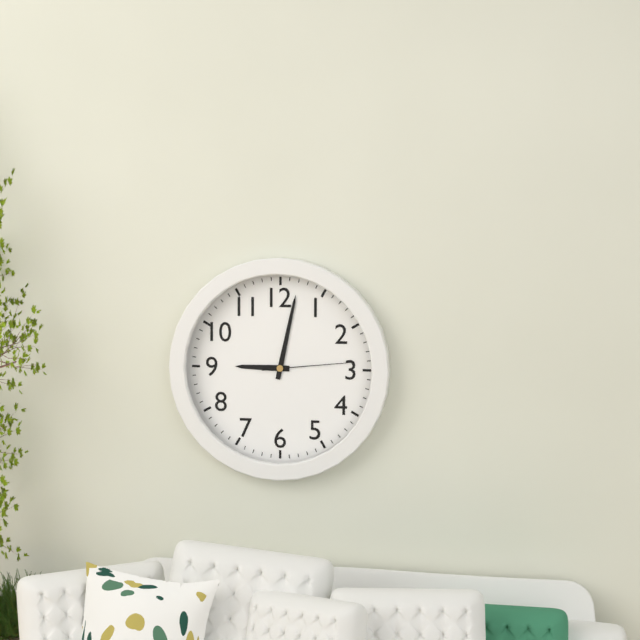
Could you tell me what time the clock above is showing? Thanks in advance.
9:02:14
